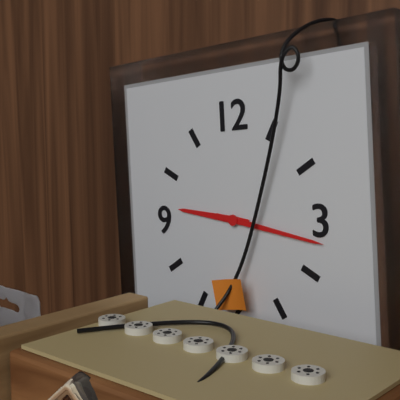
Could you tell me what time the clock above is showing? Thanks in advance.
9:17
